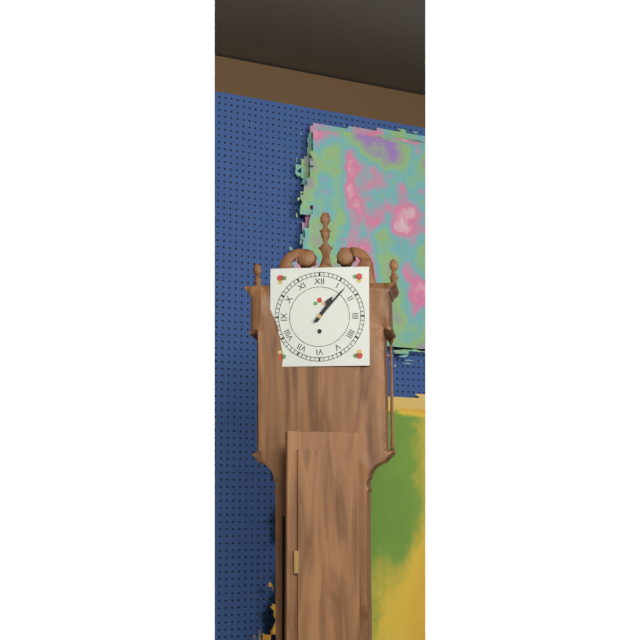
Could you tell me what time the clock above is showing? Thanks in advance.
1:07
